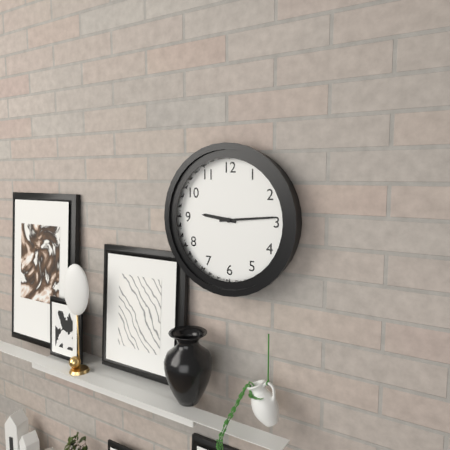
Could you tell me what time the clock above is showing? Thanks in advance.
9:14
